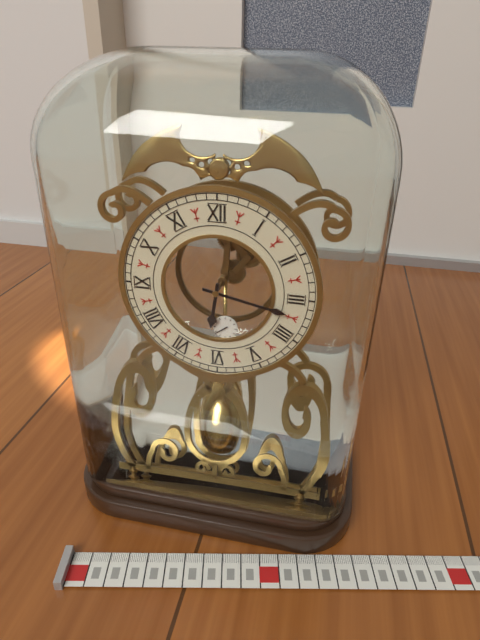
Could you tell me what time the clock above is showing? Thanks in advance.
6:17
